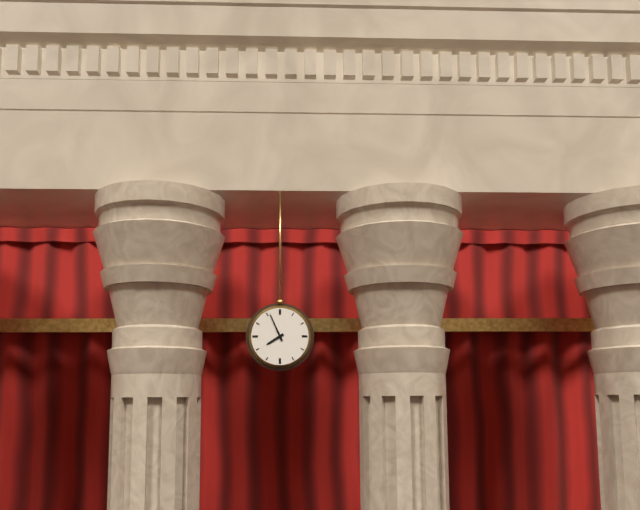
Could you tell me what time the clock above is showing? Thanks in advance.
7:56
